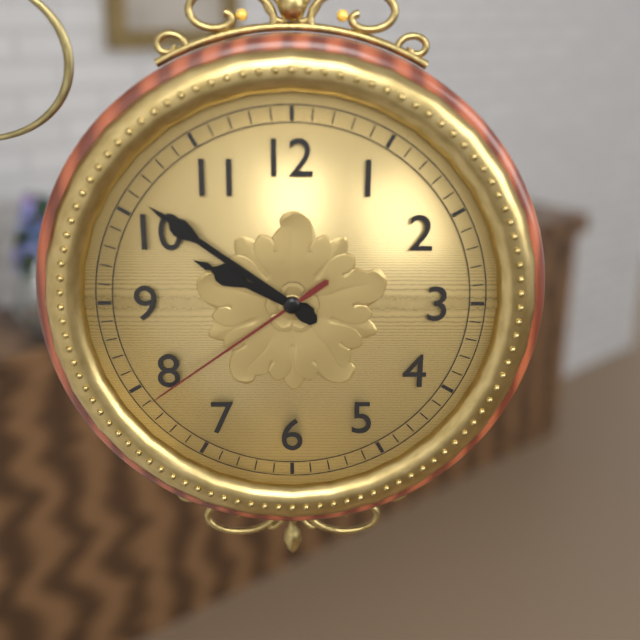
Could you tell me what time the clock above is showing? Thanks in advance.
9:51:39
